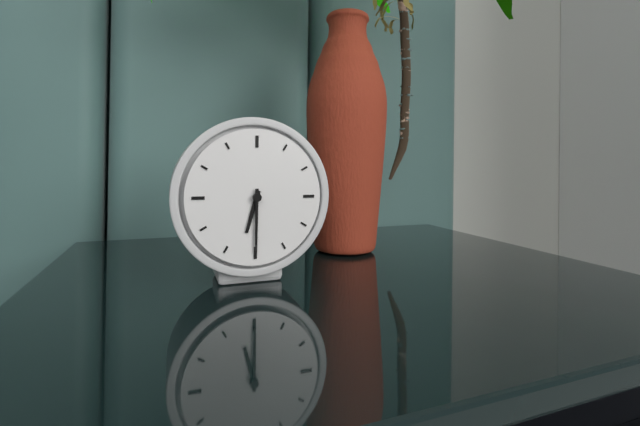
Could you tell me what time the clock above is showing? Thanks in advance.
6:30
